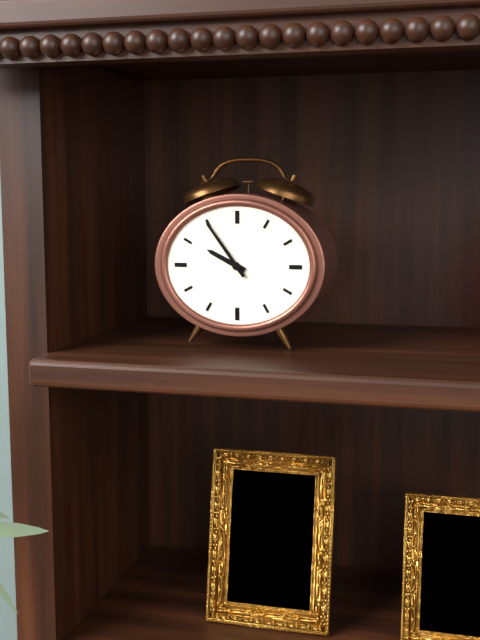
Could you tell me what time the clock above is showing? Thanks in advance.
9:54
